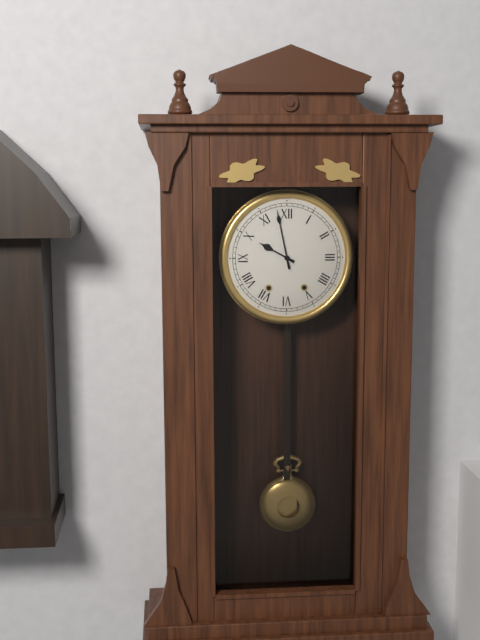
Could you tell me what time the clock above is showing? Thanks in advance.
9:58
